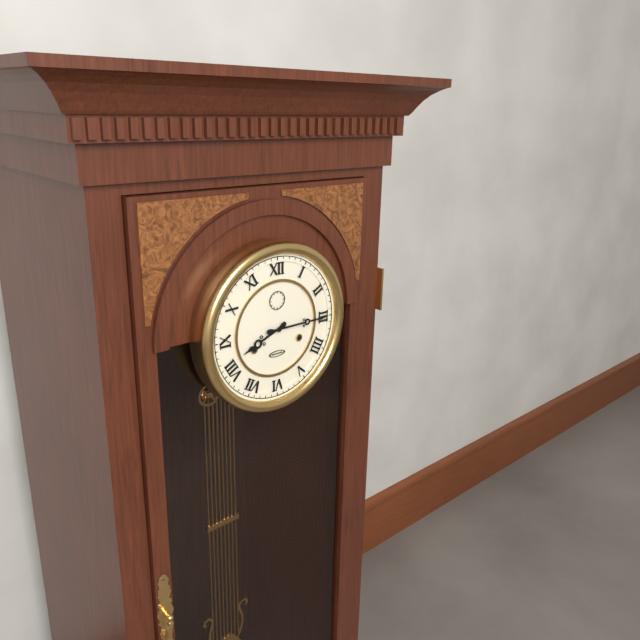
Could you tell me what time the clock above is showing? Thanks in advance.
8:15
